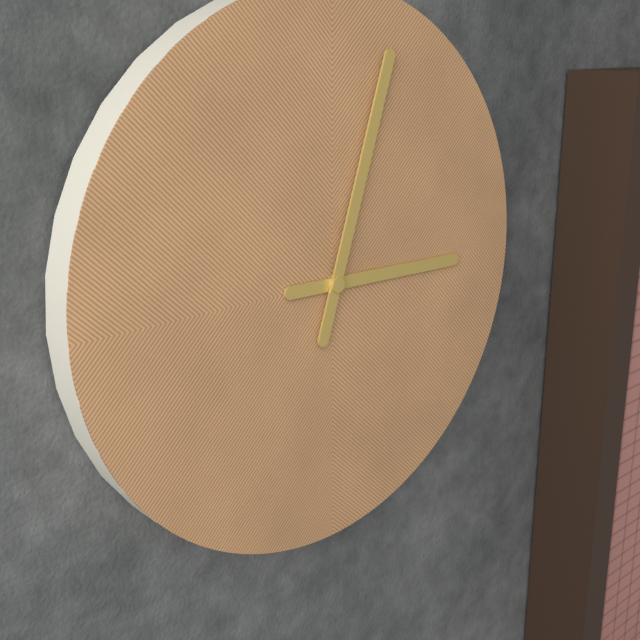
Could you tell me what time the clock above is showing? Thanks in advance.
3:03
